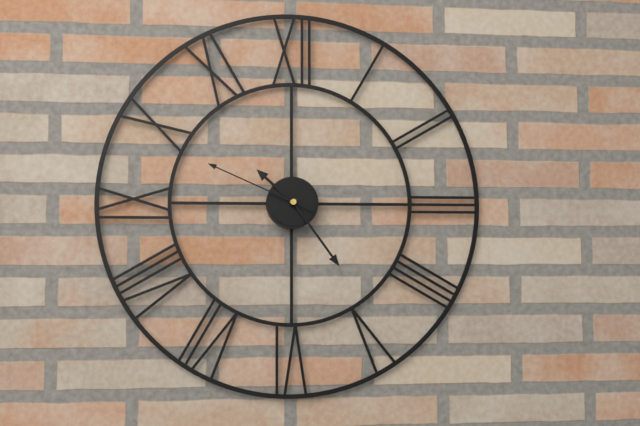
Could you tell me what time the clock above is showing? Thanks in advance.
10:24:49
